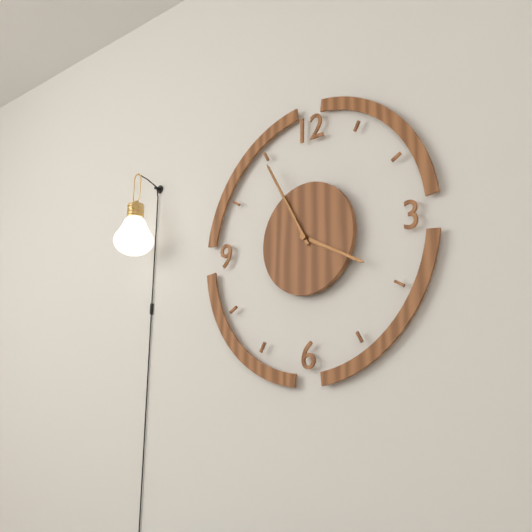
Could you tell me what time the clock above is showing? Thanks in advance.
3:55
